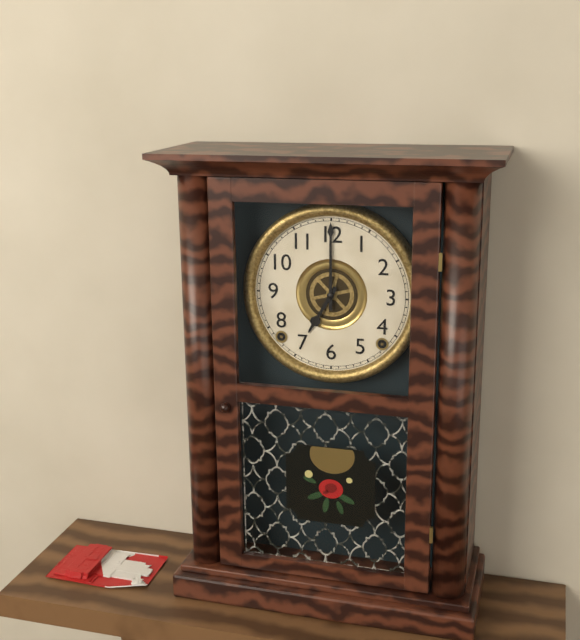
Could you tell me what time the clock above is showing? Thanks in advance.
7:00
